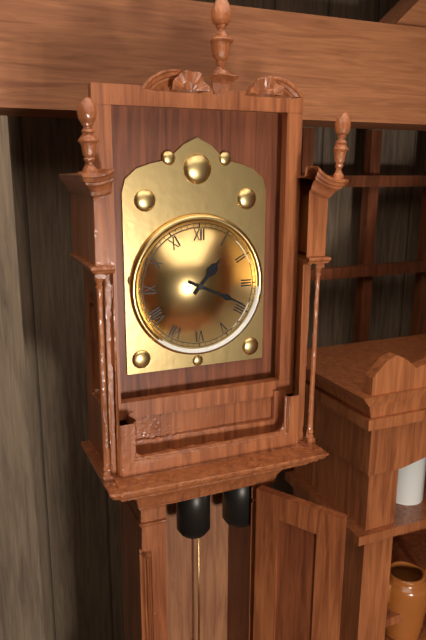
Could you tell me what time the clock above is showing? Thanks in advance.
1:19
